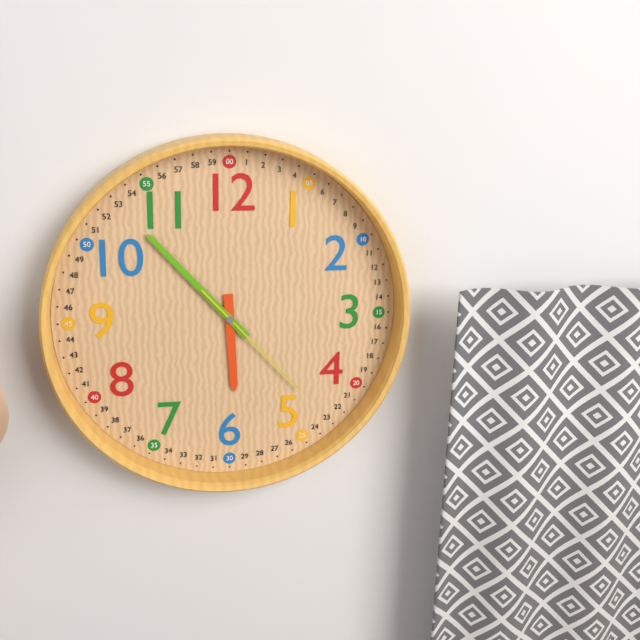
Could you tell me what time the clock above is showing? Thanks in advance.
5:53:23
